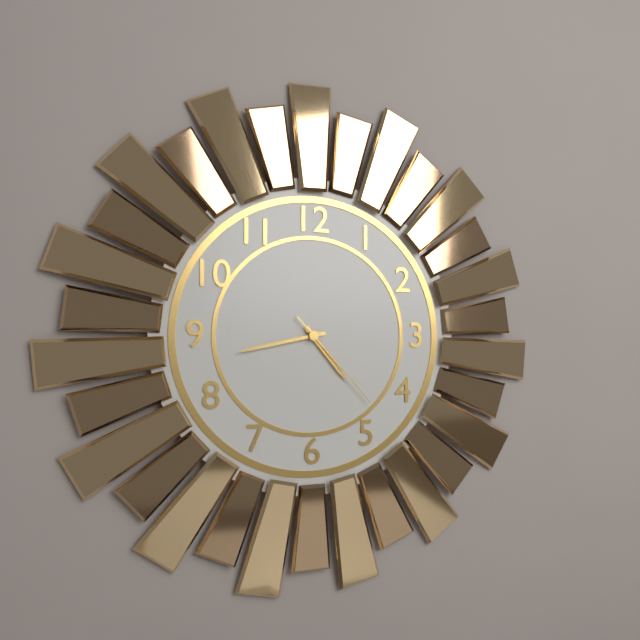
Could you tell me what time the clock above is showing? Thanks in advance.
4:43:23
